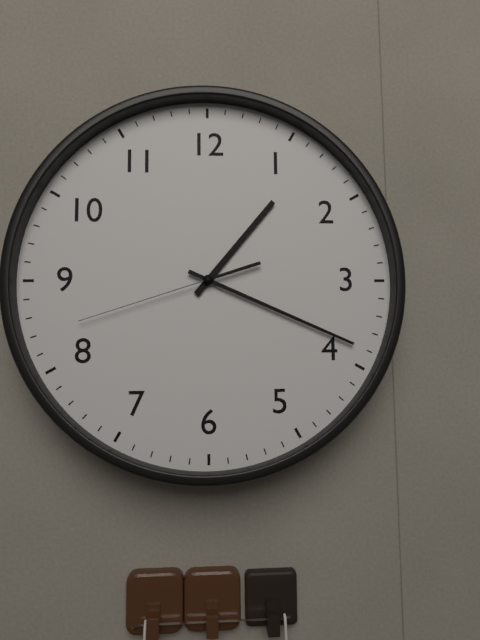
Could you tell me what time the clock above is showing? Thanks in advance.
1:19:42
